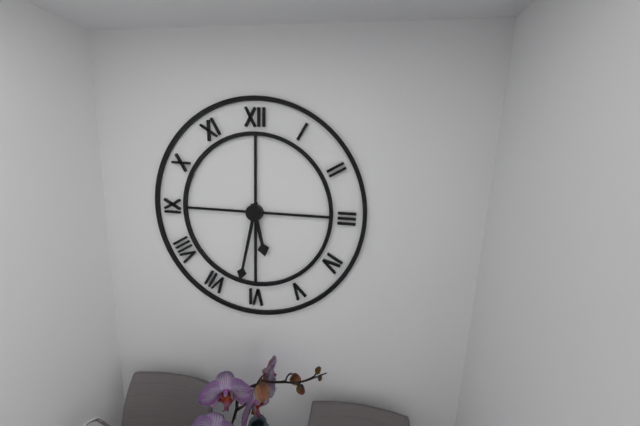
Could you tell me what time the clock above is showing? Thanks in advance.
5:32
